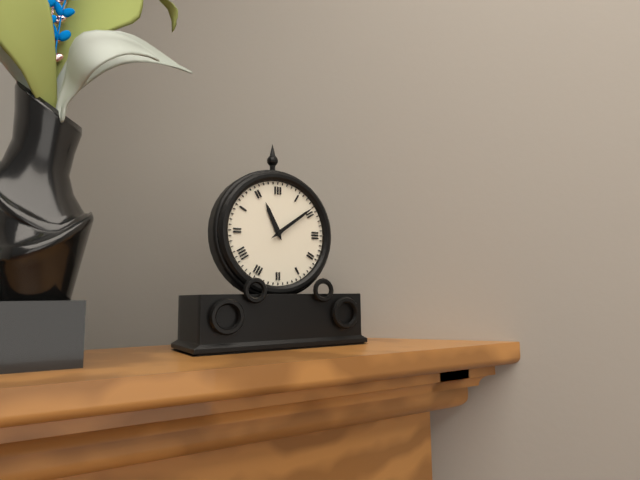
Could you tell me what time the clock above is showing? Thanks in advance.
11:09
